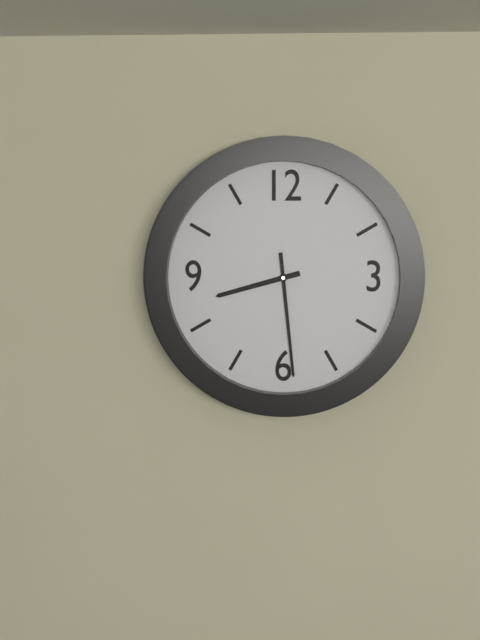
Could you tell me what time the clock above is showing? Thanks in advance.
8:29
